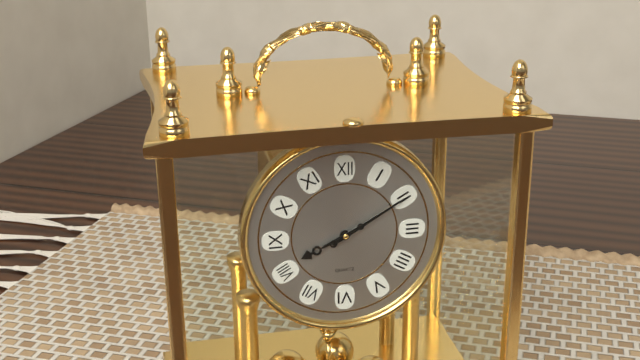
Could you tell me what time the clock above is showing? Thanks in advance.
8:10
